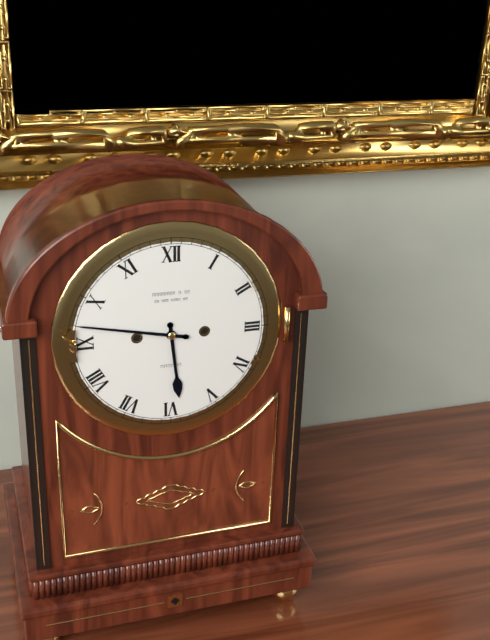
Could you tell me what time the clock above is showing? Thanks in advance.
5:47
